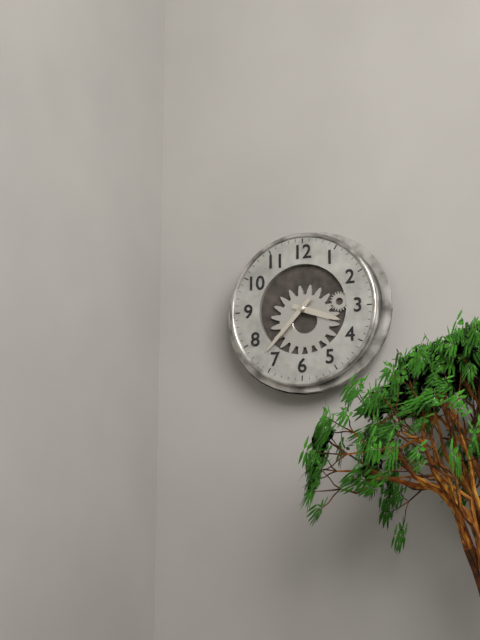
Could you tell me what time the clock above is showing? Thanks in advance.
3:37
